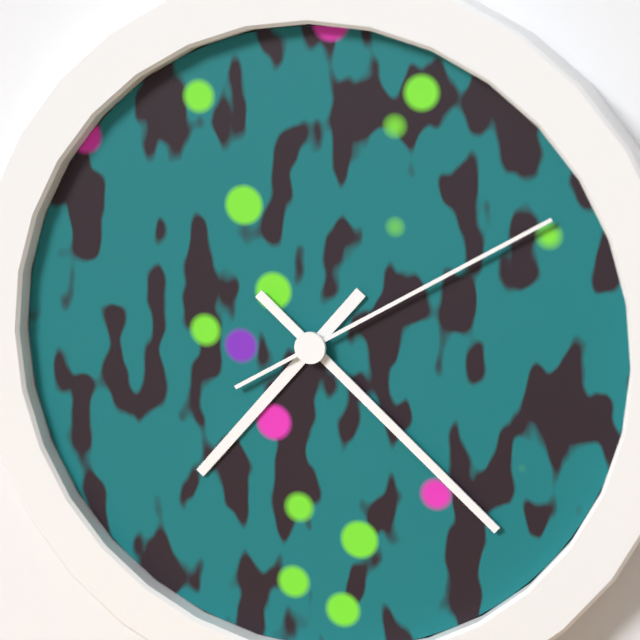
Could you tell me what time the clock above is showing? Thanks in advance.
7:22:10
